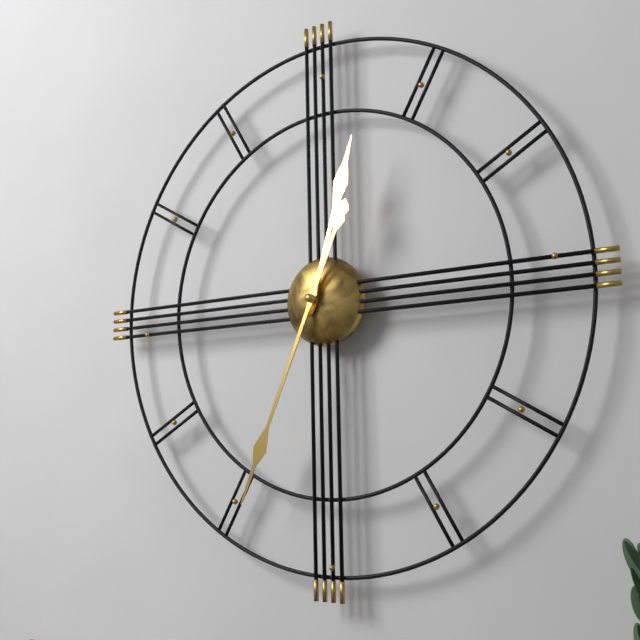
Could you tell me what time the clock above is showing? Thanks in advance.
12:34
